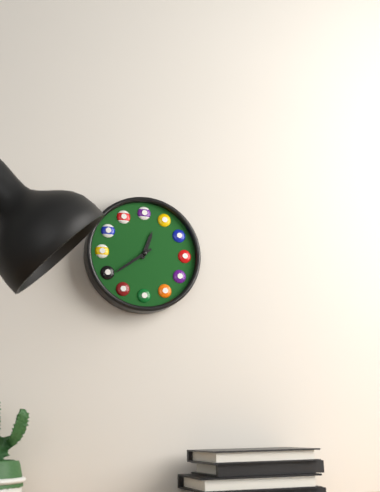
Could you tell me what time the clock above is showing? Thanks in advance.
12:39
